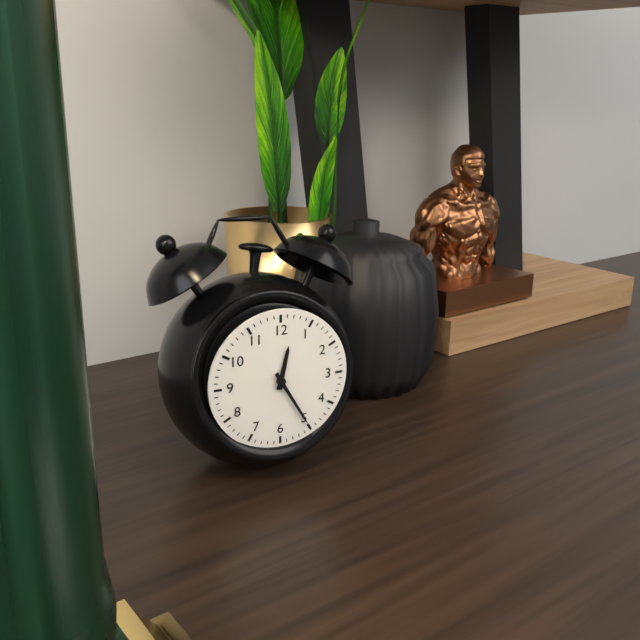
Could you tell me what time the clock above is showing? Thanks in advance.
12:25
